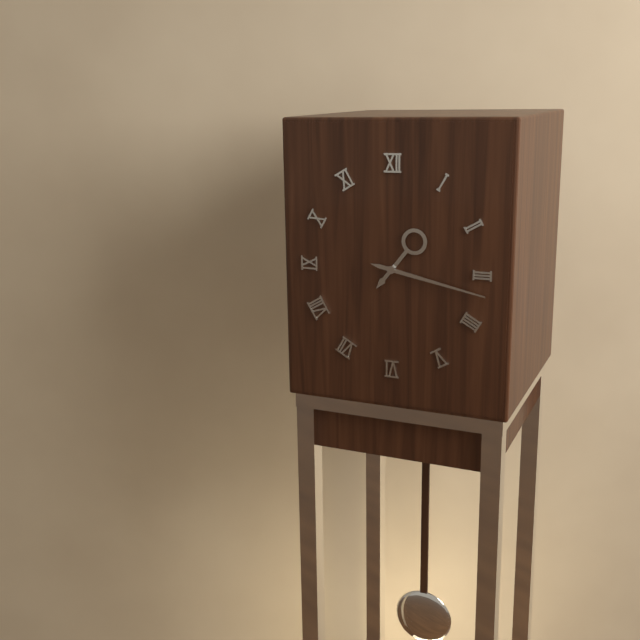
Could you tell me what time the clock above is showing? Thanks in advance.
1:17
